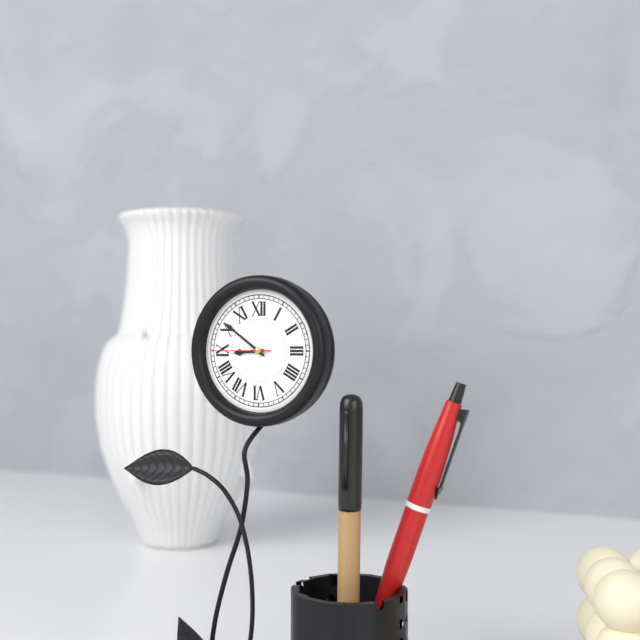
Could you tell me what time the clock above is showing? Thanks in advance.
8:51:45
